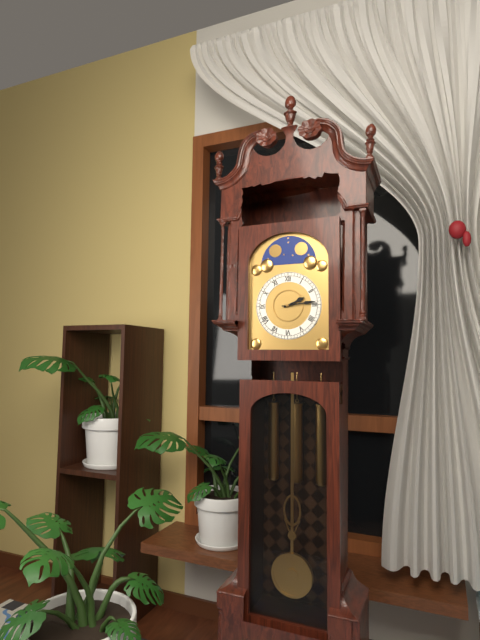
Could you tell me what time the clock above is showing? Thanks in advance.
2:14
